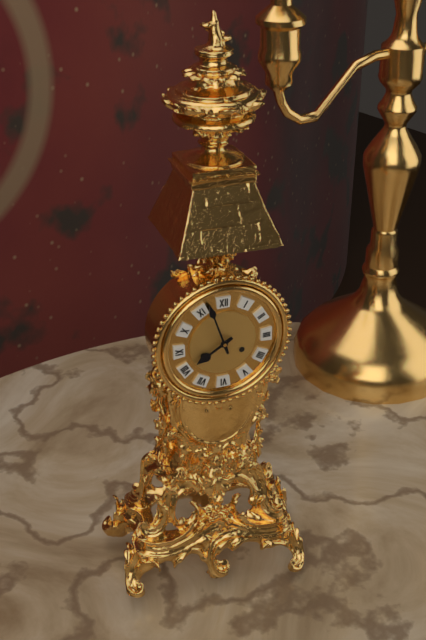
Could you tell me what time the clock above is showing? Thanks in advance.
7:57
